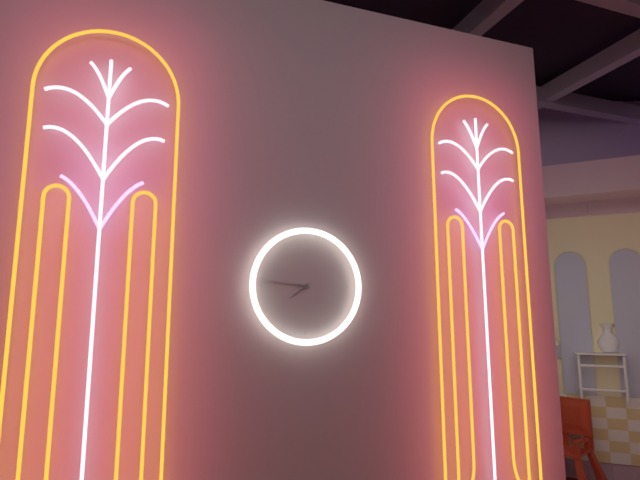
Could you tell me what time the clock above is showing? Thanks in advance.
7:46
